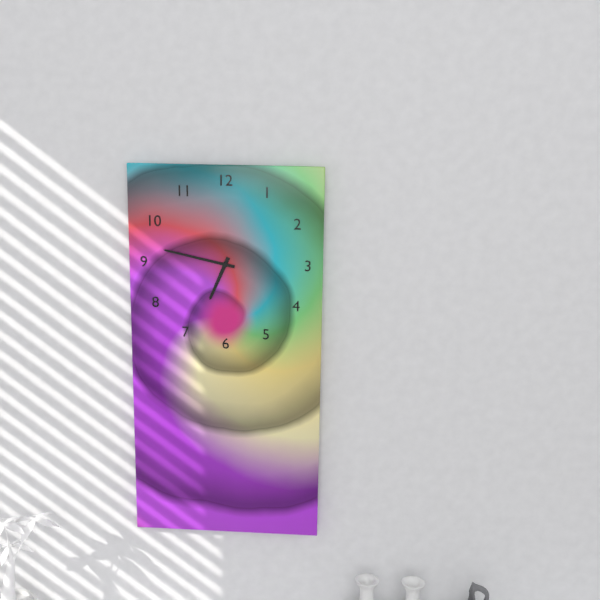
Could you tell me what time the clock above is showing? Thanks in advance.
6:47
